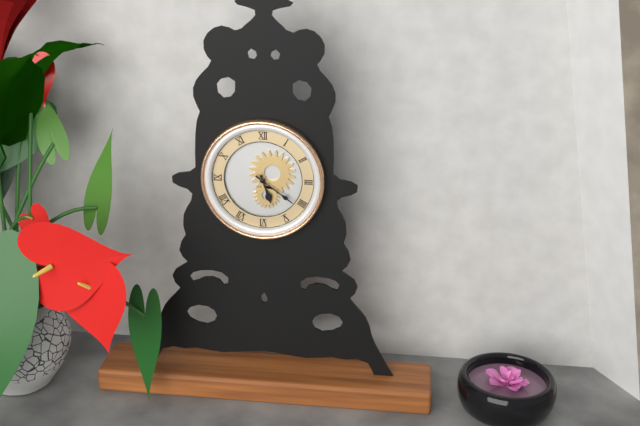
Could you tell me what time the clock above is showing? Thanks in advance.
5:21
